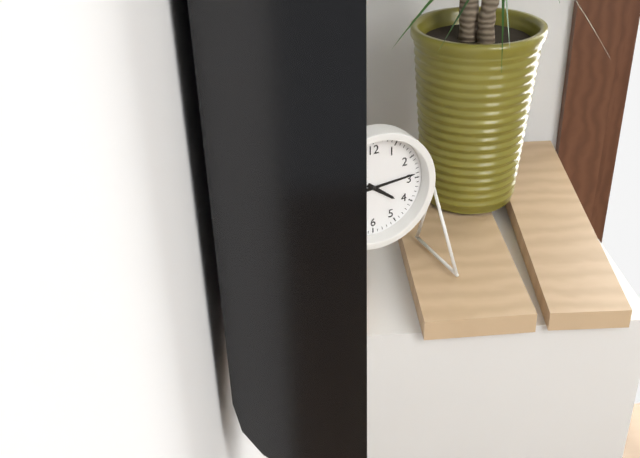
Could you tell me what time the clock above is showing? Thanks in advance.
4:14
